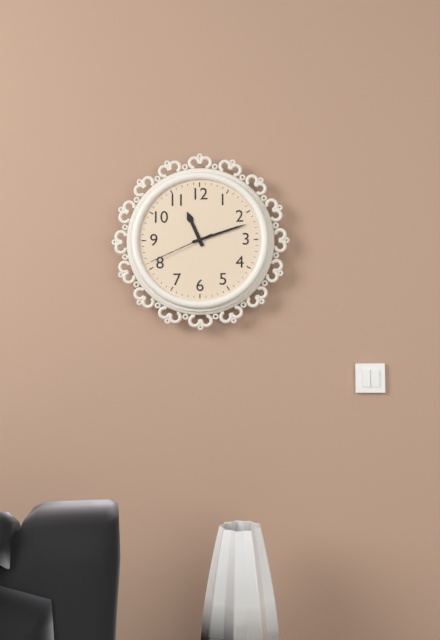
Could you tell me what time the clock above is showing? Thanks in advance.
11:12:41
